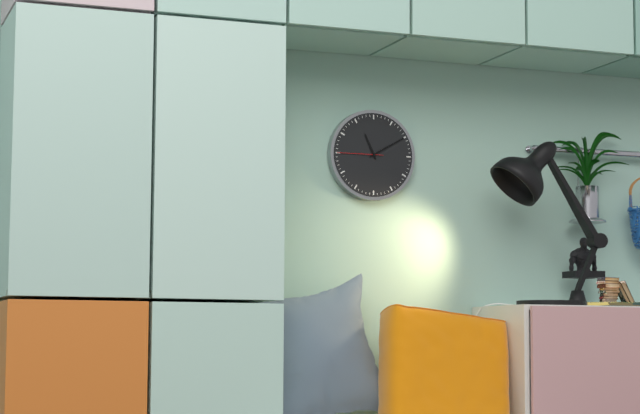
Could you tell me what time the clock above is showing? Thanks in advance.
11:10
